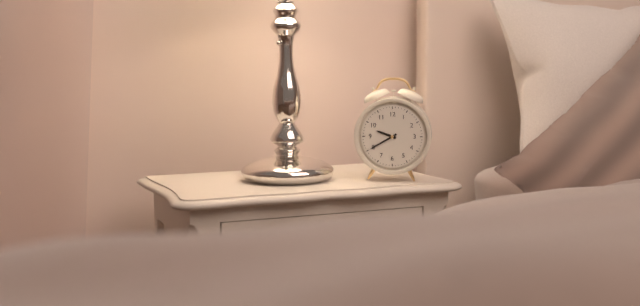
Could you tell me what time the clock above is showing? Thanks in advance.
9:40
